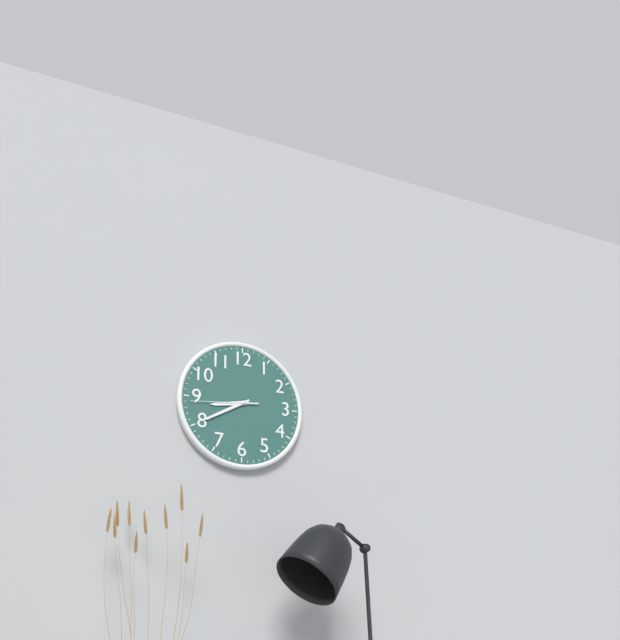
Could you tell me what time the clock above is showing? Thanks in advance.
8:40:44
